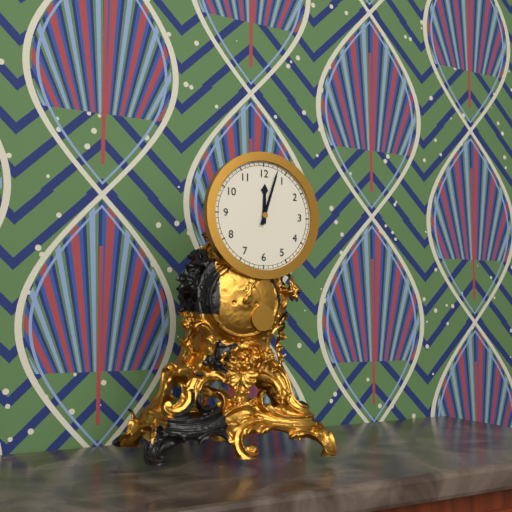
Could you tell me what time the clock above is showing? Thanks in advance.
12:03
